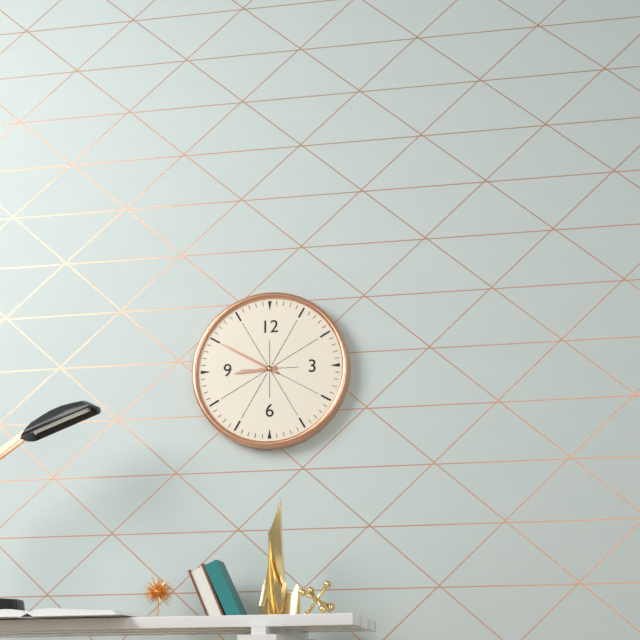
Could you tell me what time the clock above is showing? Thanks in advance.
8:50
